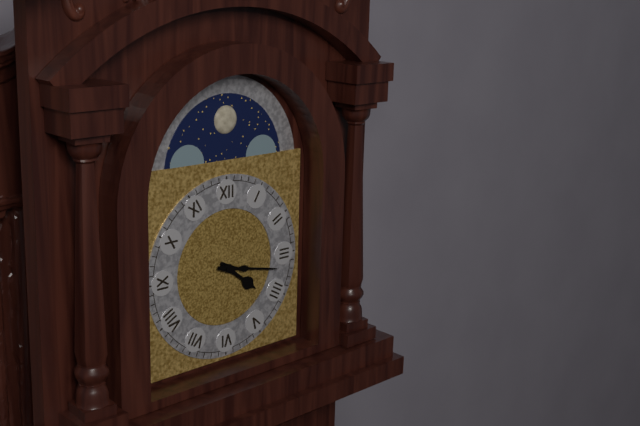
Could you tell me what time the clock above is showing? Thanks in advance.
4:17
